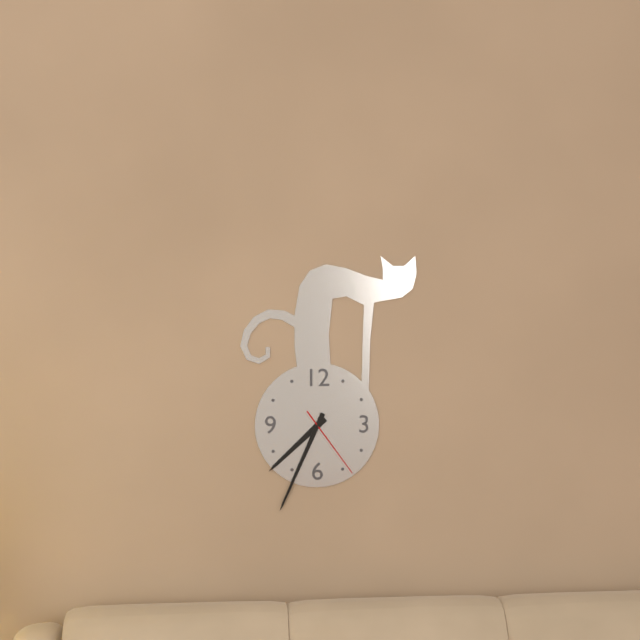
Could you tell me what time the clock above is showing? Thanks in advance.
7:34:24
